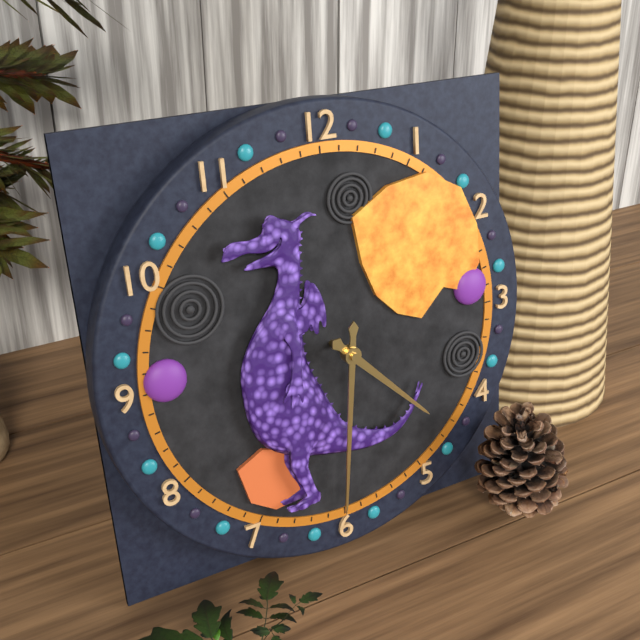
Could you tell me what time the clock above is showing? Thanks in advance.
4:31
